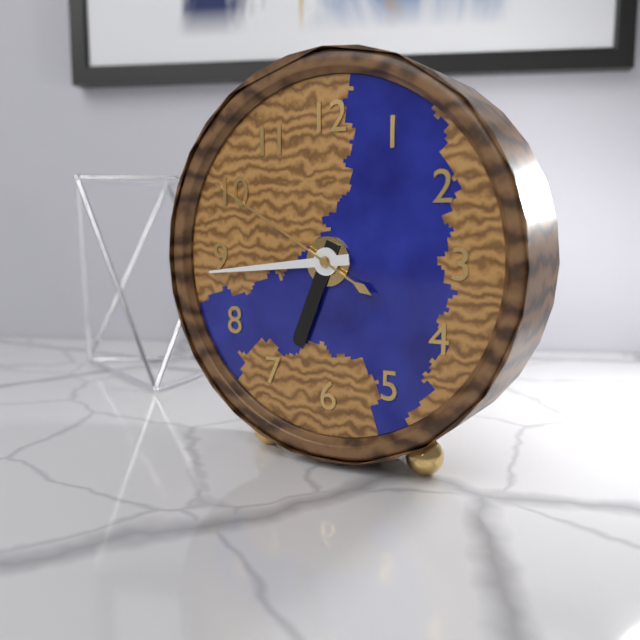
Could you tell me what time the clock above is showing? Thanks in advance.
6:44:50
